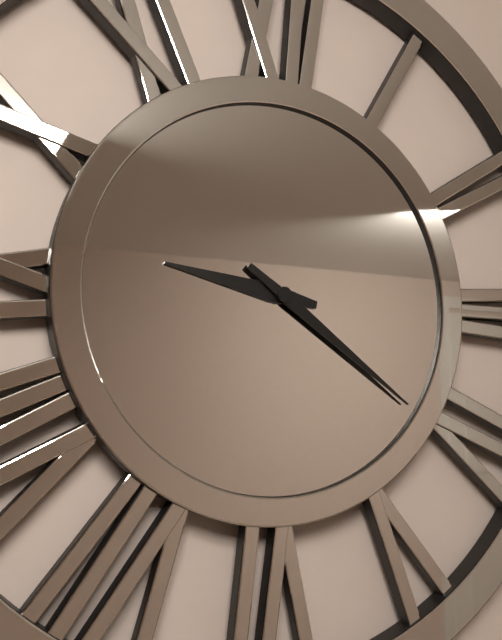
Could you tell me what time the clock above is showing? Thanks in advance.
9:21
